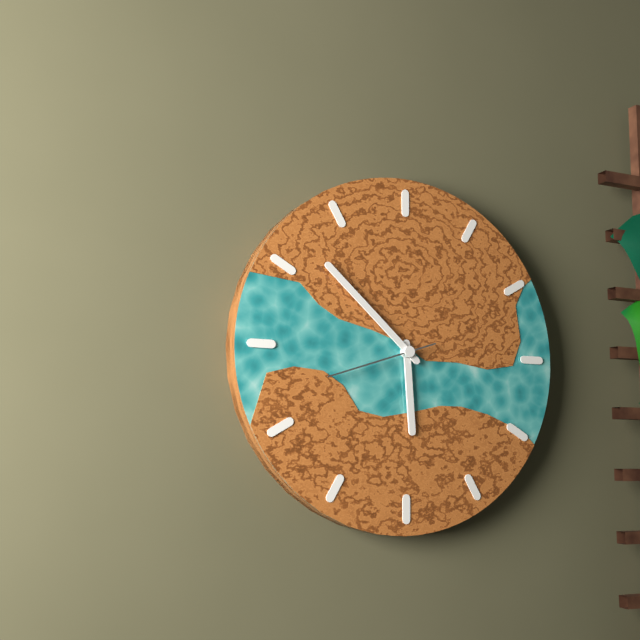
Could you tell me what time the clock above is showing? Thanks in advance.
5:52:42
